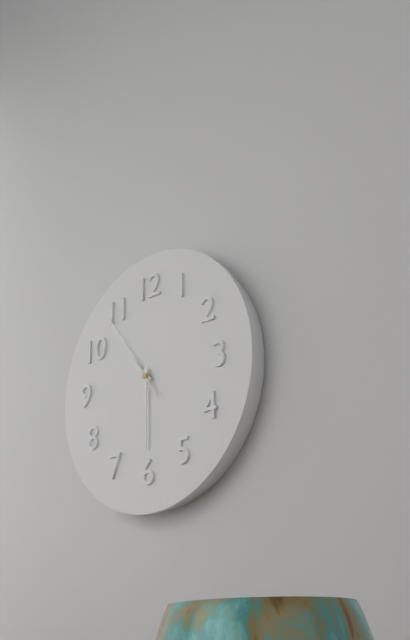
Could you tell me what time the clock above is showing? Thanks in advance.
10:30:54
